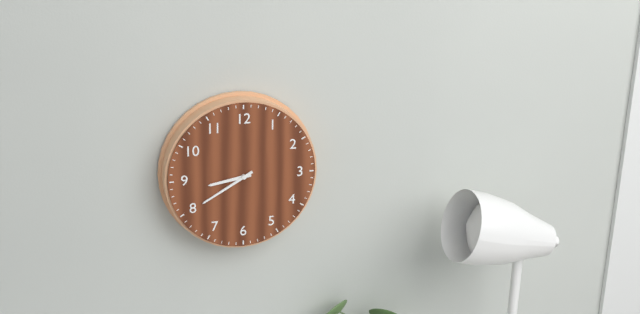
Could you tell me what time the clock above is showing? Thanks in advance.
8:40
